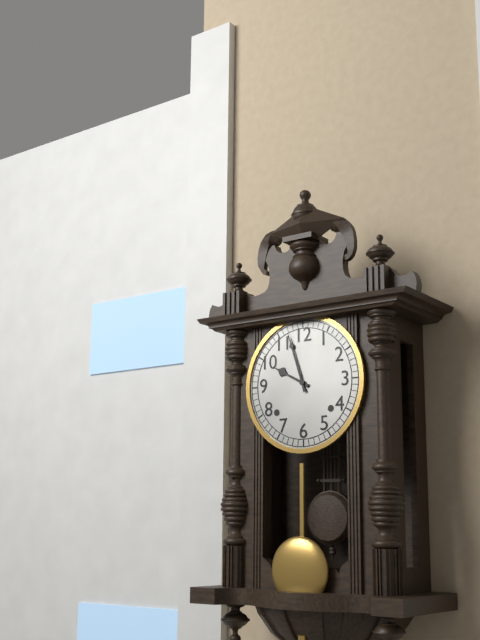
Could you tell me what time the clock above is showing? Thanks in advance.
9:57
